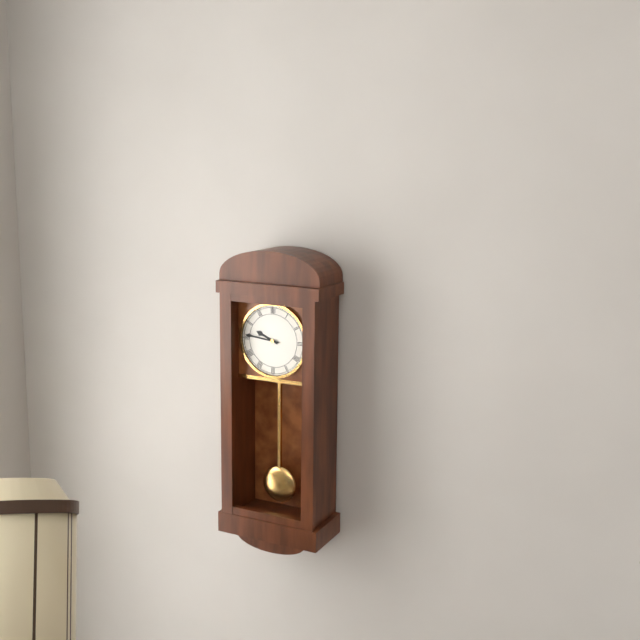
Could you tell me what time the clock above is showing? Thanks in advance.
9:46
